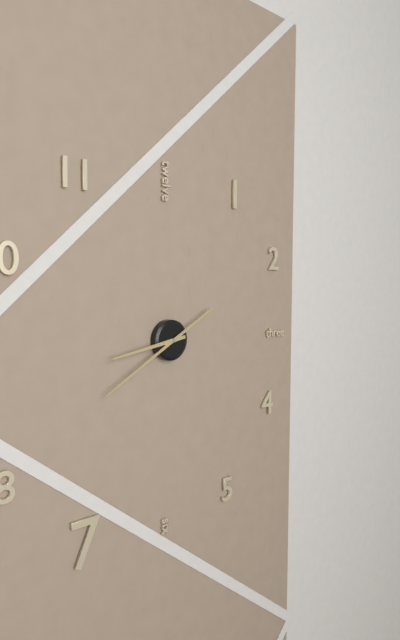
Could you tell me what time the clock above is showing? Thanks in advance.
8:40
